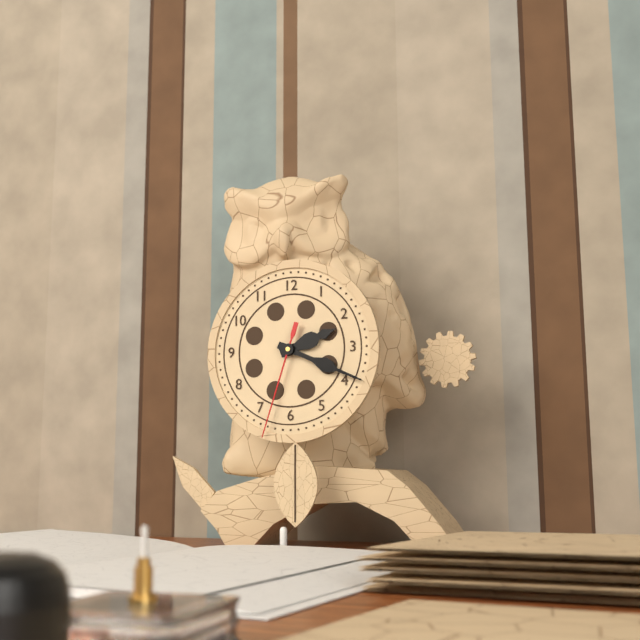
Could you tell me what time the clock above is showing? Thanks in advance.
2:19:33
